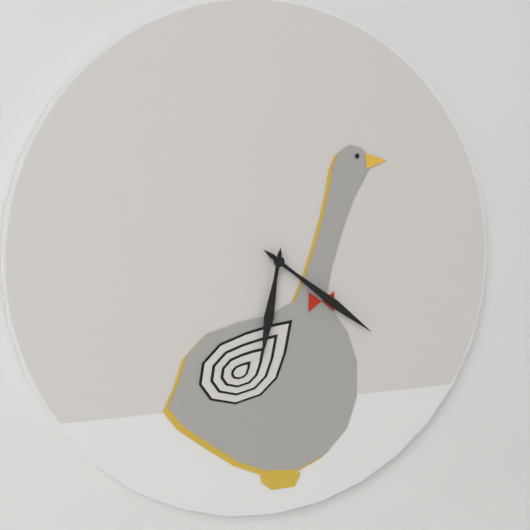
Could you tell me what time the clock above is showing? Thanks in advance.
6:21
